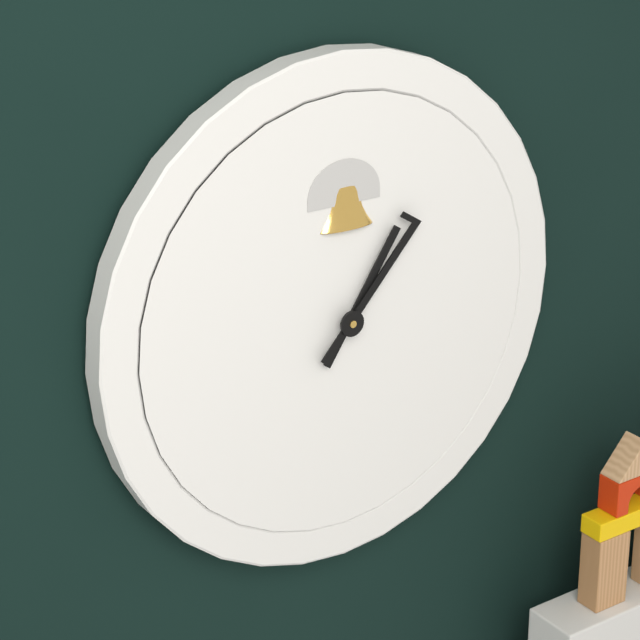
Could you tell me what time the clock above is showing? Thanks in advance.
1:07
